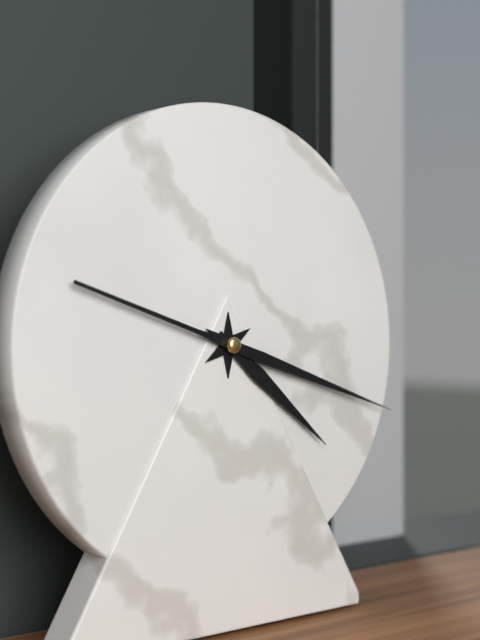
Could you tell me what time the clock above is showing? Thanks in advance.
4:18
